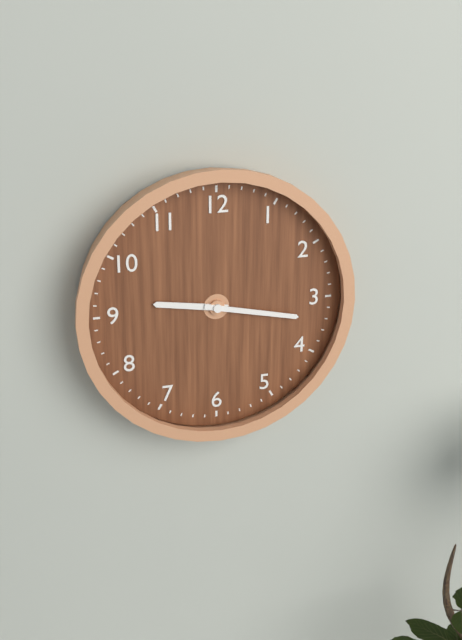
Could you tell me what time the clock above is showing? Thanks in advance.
9:17
